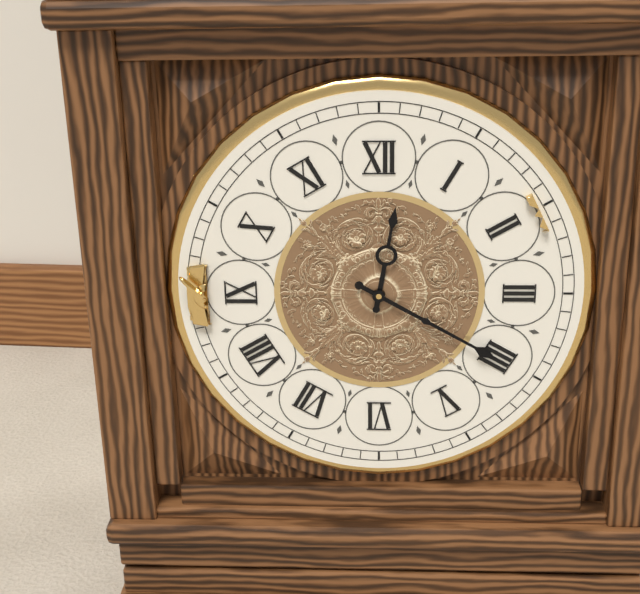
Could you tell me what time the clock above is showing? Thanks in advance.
12:20
